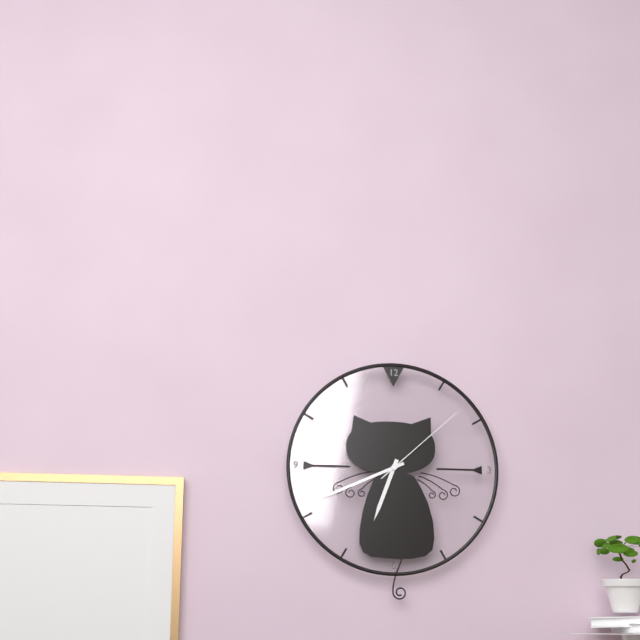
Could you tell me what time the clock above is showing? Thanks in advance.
6:41:08
